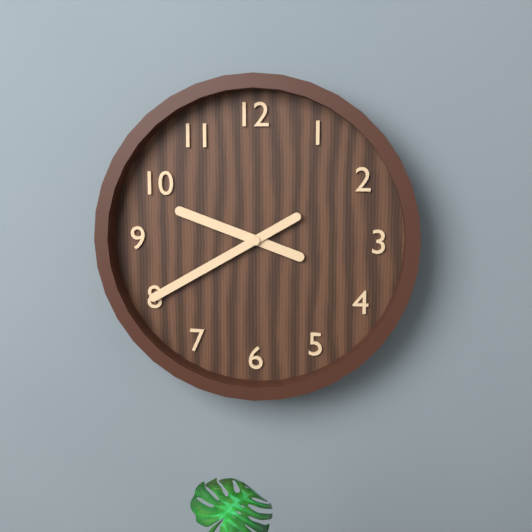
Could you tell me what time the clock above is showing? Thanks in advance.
9:40
